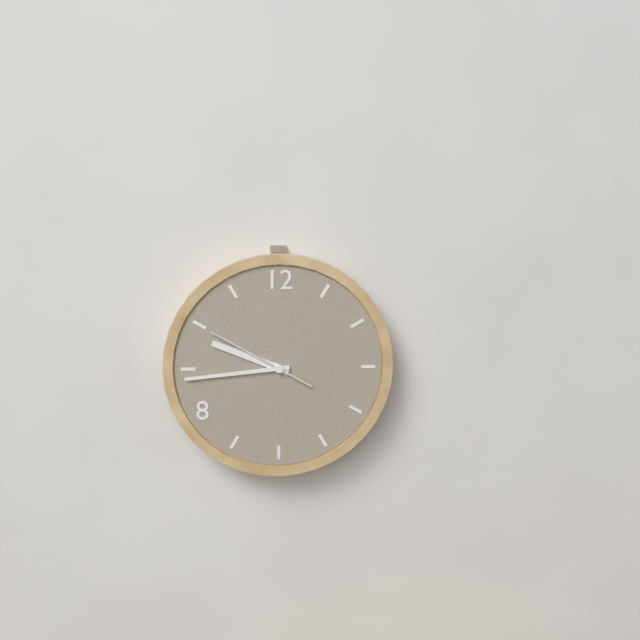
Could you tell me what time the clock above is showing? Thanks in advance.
9:44:50
